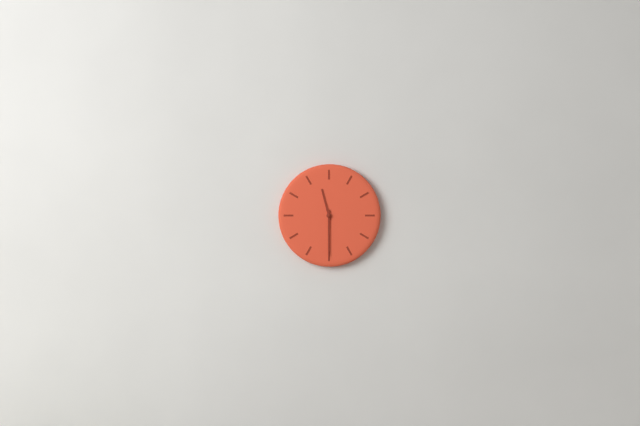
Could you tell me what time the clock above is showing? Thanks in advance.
11:30
